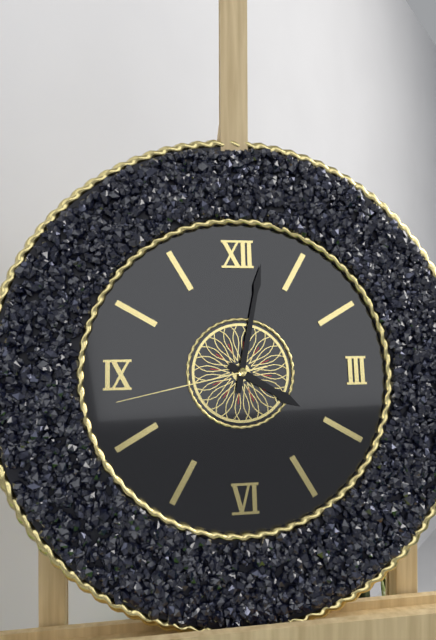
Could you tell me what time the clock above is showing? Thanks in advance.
4:02:43
